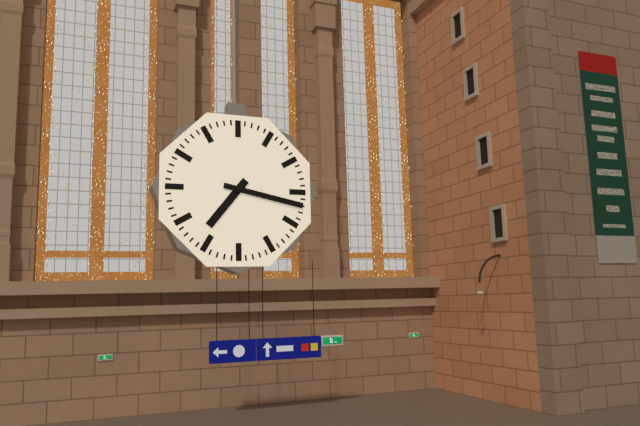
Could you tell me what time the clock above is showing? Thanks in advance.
7:17
